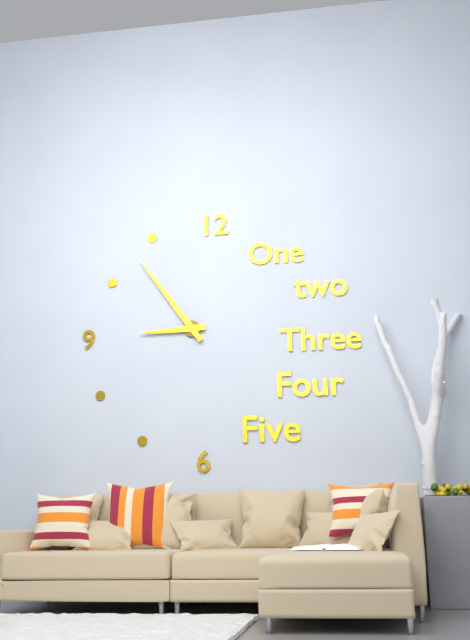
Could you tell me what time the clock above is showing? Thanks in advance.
8:54
